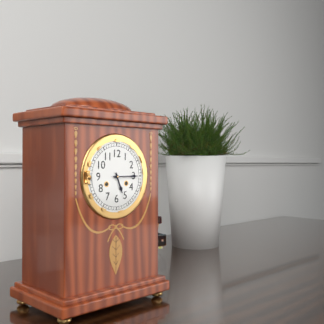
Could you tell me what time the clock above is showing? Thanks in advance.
5:15
